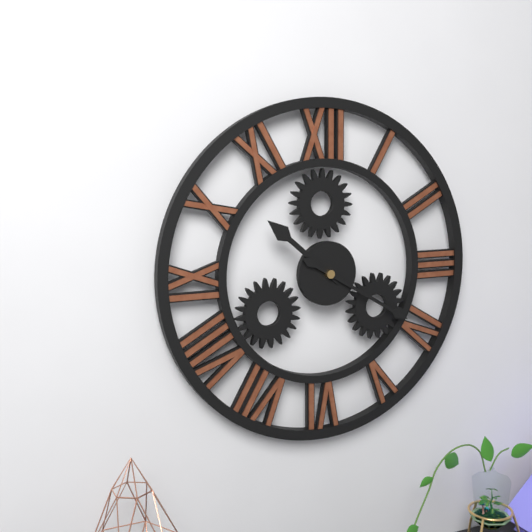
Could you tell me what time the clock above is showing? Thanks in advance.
10:20
